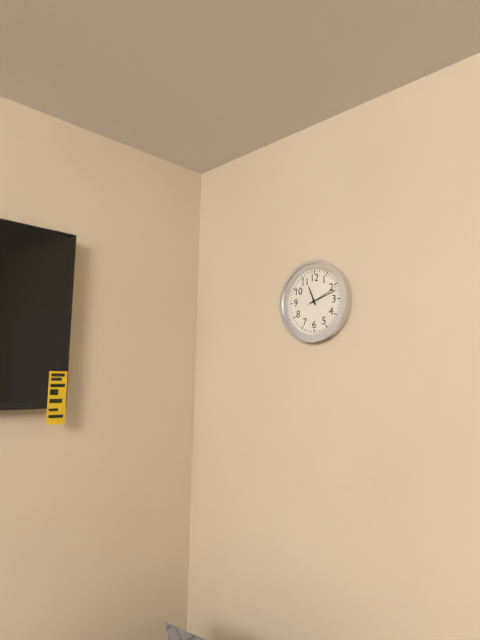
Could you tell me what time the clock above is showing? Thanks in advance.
11:12
